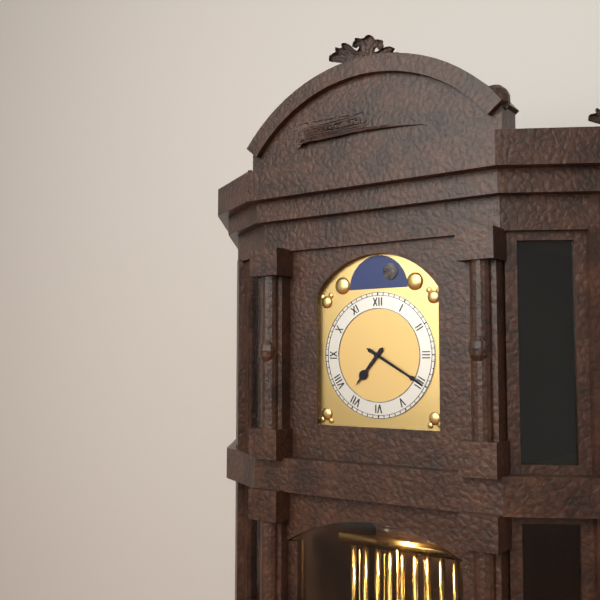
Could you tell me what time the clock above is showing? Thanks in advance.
7:20
